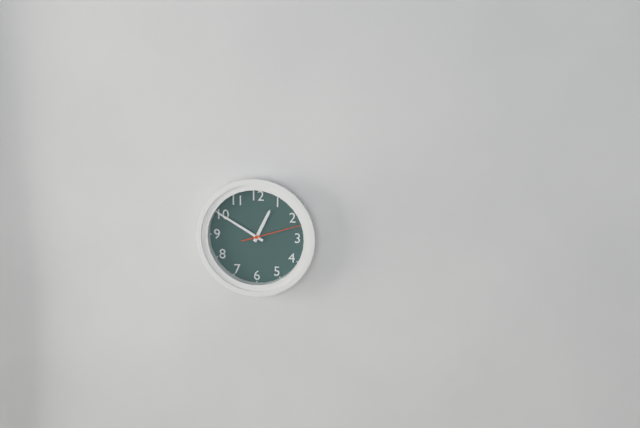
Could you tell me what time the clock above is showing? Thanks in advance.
12:50:12
